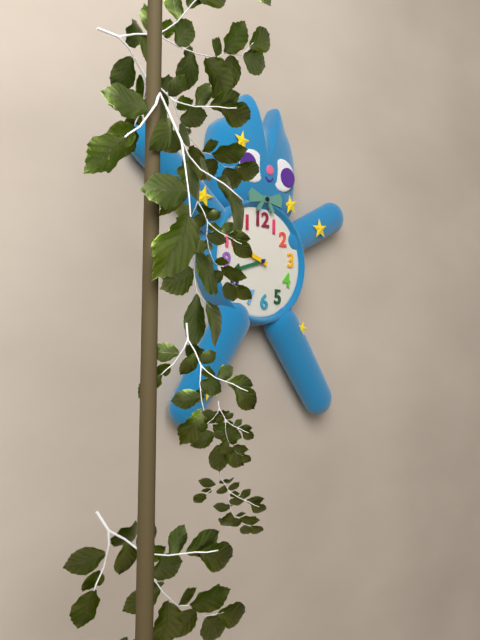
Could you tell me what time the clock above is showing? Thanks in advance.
9:42
